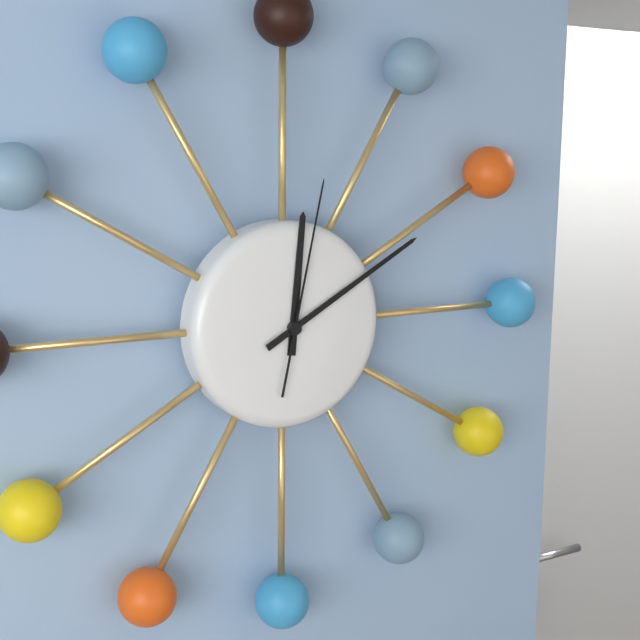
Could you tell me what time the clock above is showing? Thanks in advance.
12:10:02
